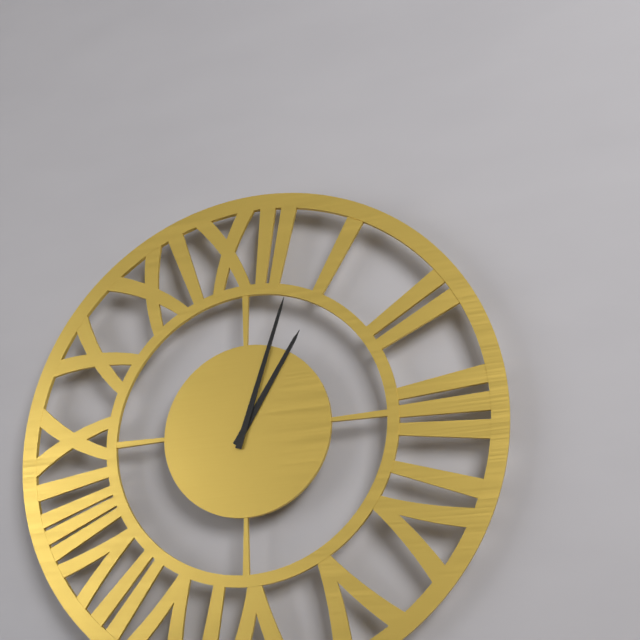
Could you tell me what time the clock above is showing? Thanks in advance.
1:03
